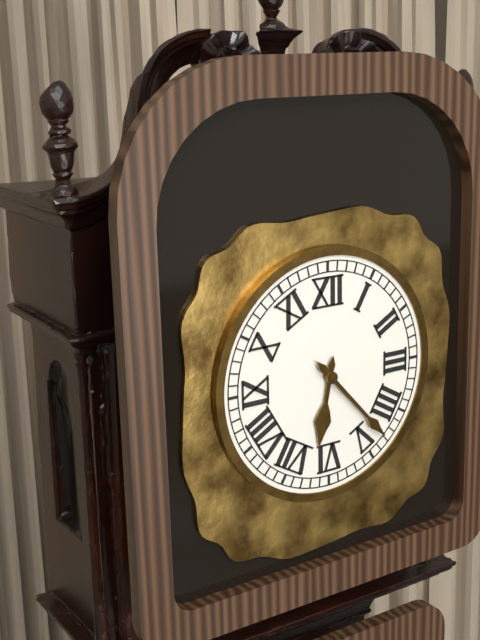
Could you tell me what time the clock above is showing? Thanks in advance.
6:23
